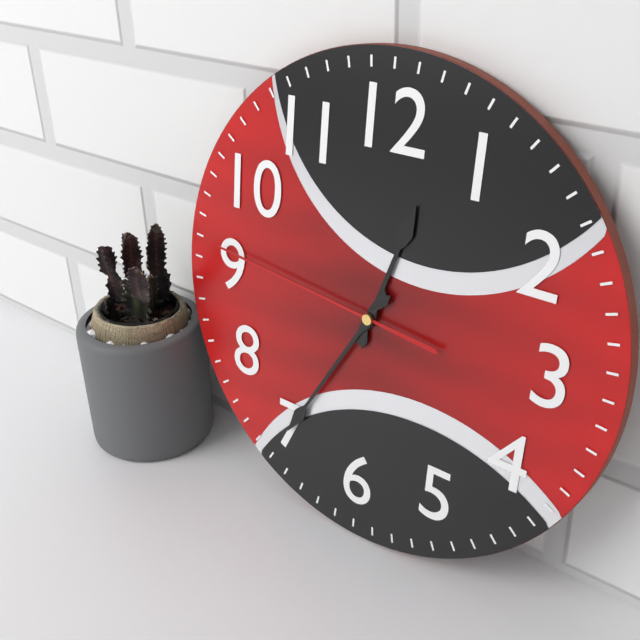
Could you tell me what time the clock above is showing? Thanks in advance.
12:35:46
